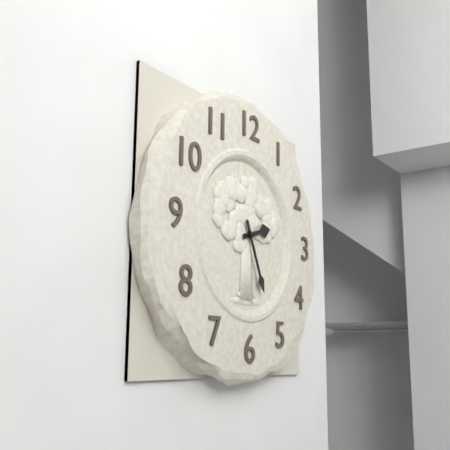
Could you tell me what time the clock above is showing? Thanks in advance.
2:26
